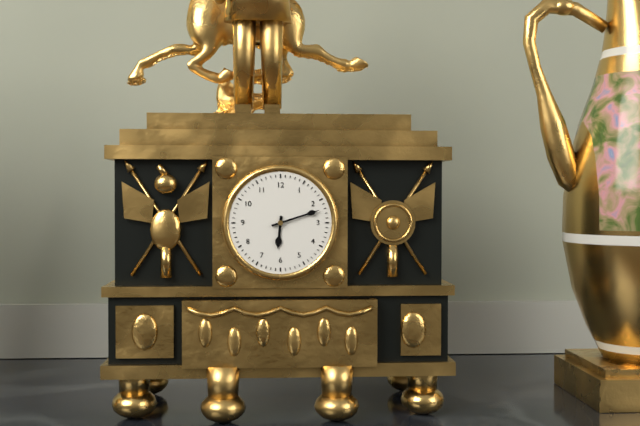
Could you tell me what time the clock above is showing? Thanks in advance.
6:12
